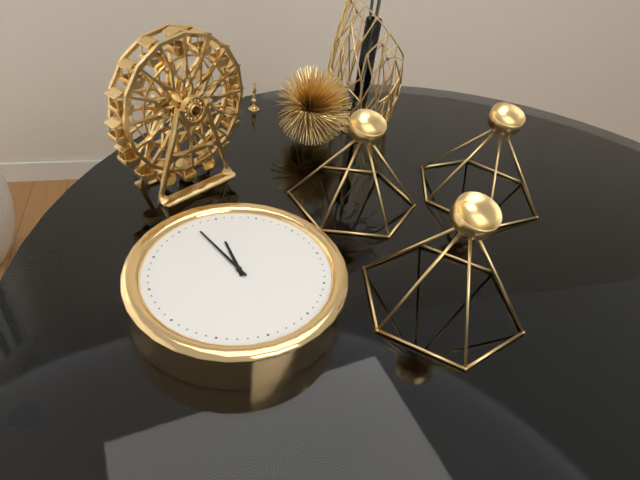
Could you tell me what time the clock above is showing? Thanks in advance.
11:57
